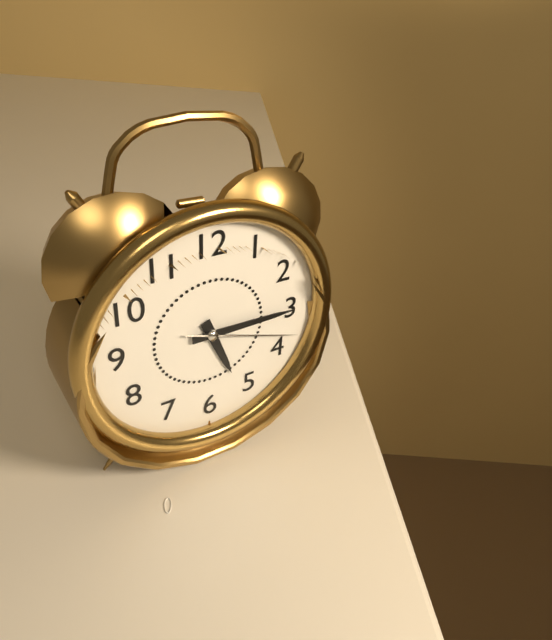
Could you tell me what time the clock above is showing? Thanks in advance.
5:15:18
